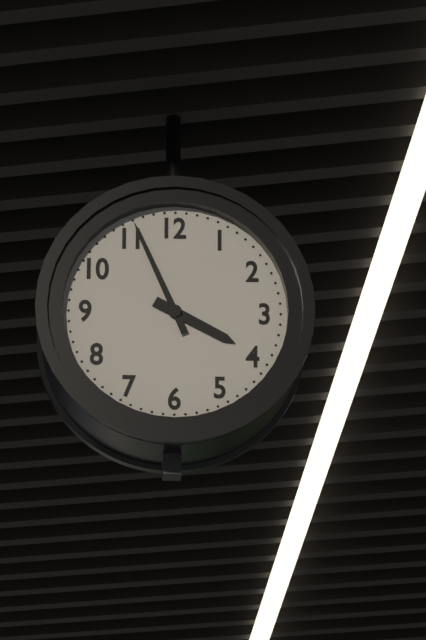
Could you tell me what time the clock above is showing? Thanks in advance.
3:56
